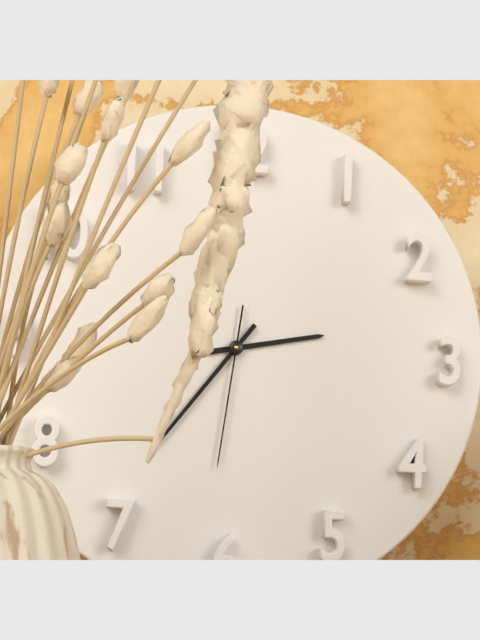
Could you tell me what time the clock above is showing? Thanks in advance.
2:36:31
